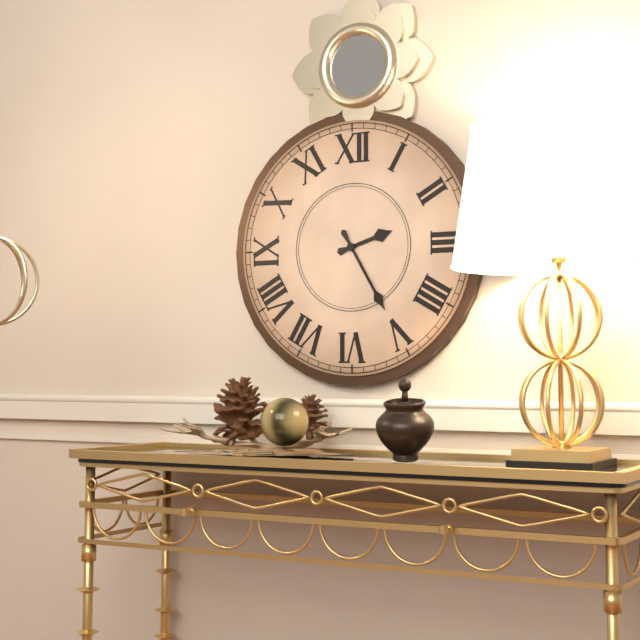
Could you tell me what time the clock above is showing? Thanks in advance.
2:25
